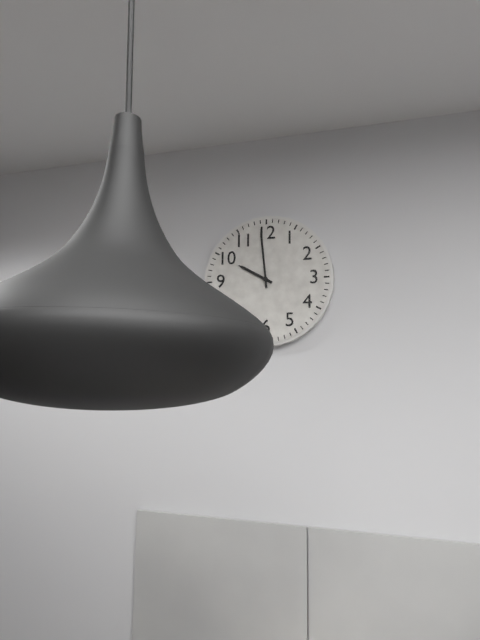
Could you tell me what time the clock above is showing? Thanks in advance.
9:59
